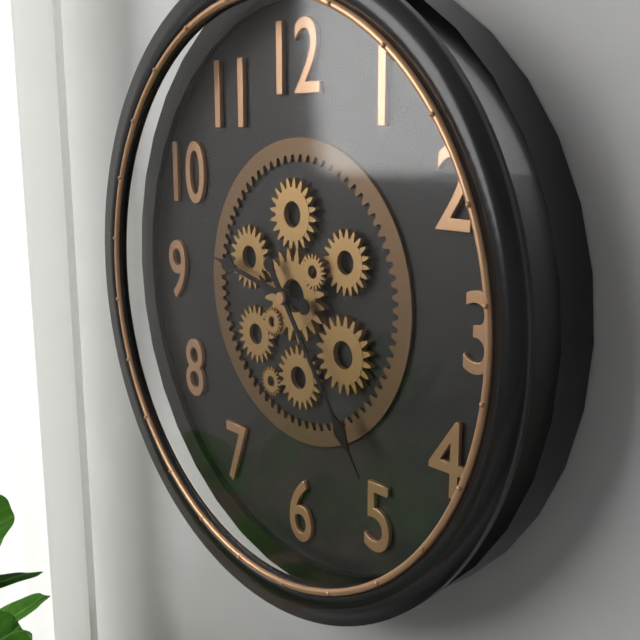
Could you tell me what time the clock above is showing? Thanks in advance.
9:24
